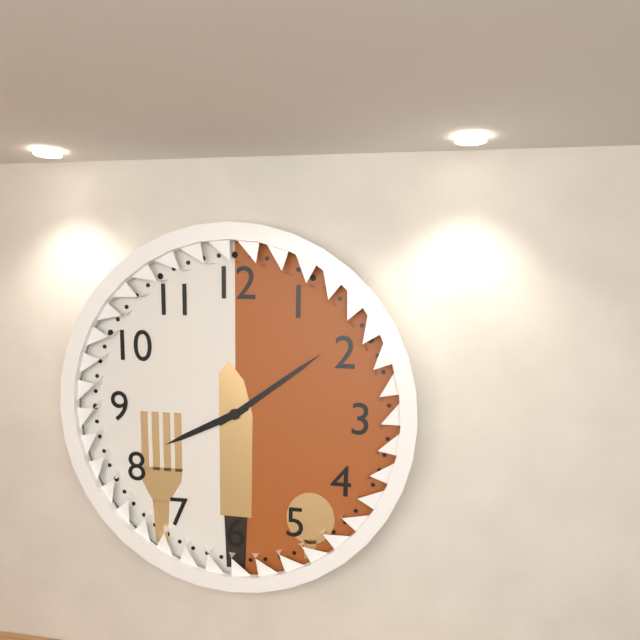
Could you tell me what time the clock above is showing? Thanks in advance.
8:09
